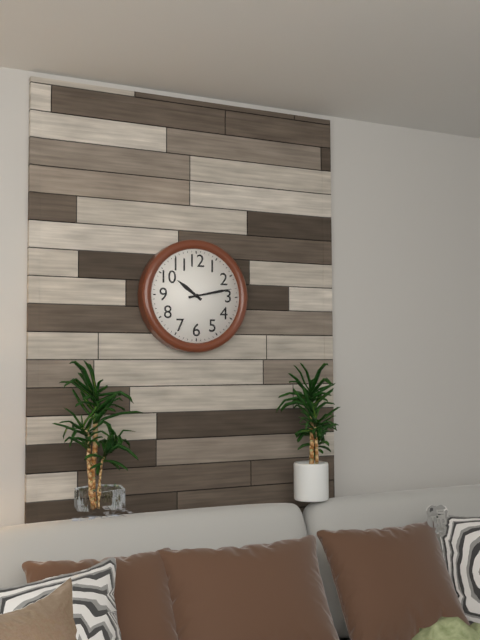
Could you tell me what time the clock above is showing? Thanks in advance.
10:13
